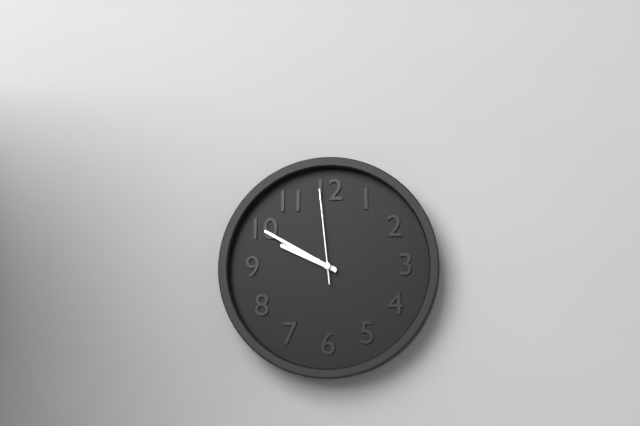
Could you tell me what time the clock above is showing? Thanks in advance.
9:50:59
